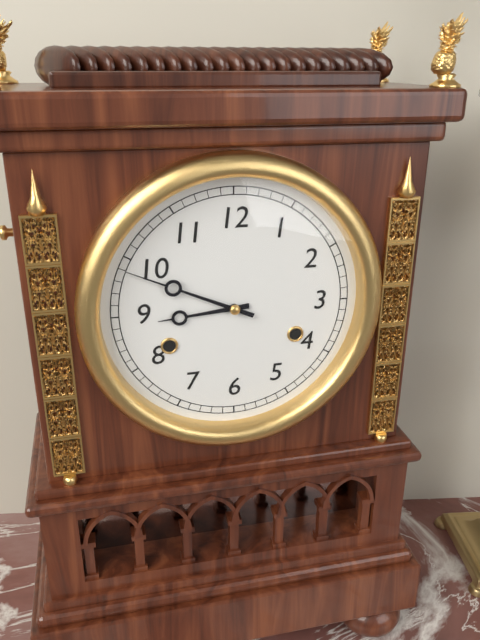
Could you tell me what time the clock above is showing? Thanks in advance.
8:49
